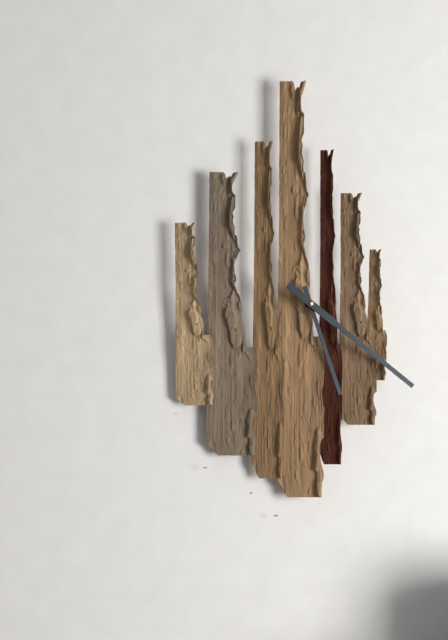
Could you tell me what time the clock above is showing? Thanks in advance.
5:21
